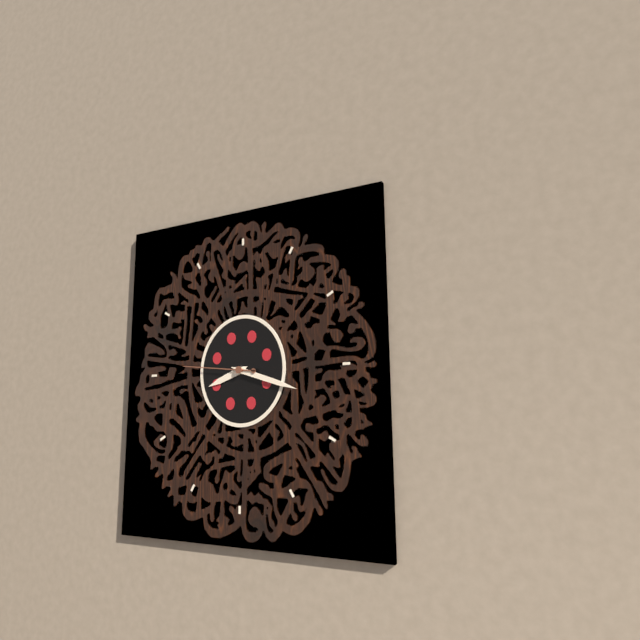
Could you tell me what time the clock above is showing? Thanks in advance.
8:18:46
